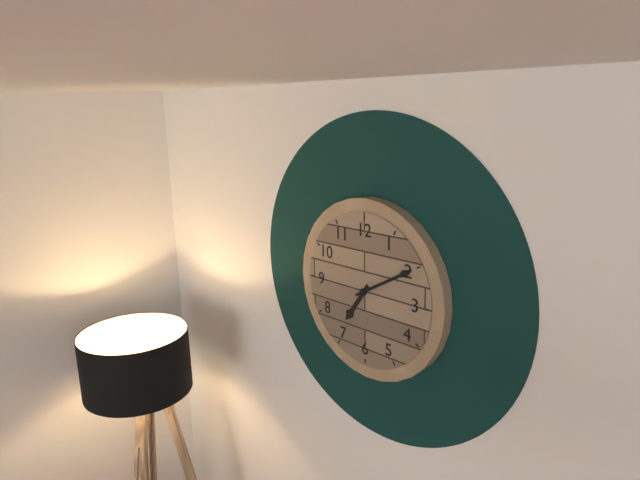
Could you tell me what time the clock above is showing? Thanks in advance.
7:10
